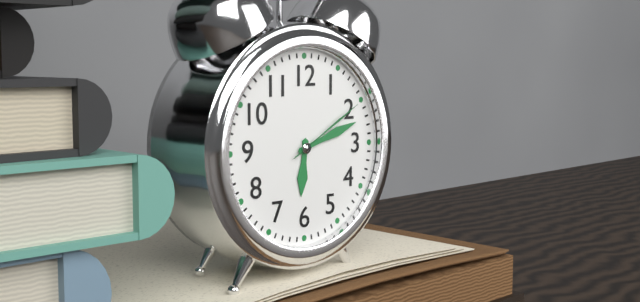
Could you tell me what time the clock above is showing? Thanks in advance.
6:12:10
